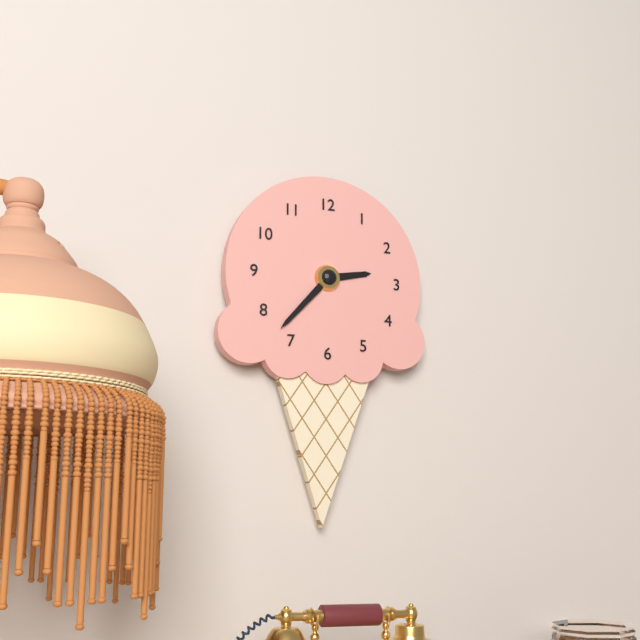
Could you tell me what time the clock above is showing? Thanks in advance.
2:37
